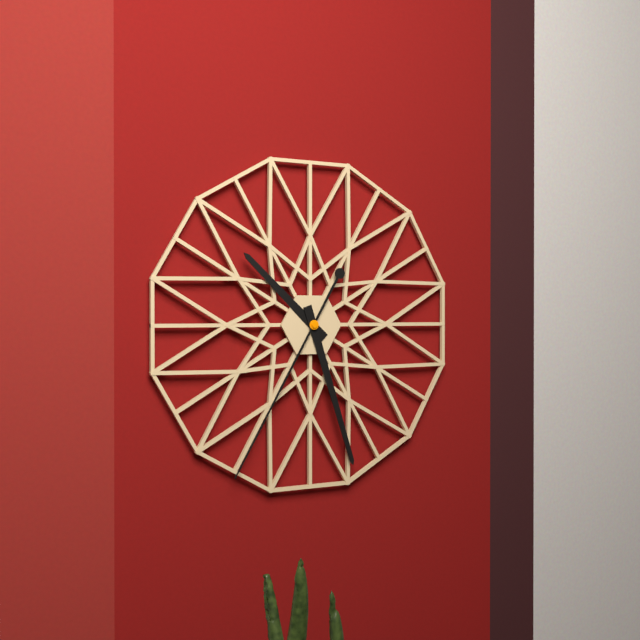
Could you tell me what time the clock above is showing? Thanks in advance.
10:27:35
